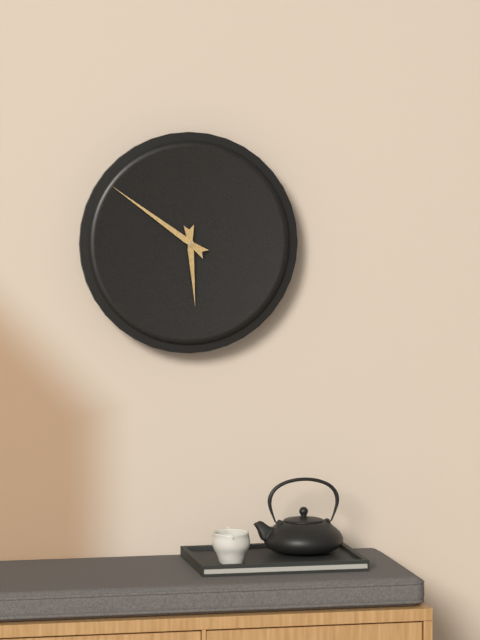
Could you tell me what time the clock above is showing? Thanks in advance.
5:51
